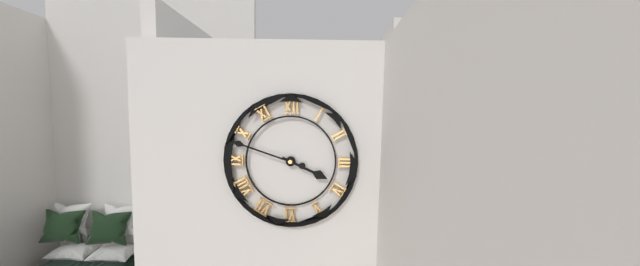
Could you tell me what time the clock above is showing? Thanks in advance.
3:48
